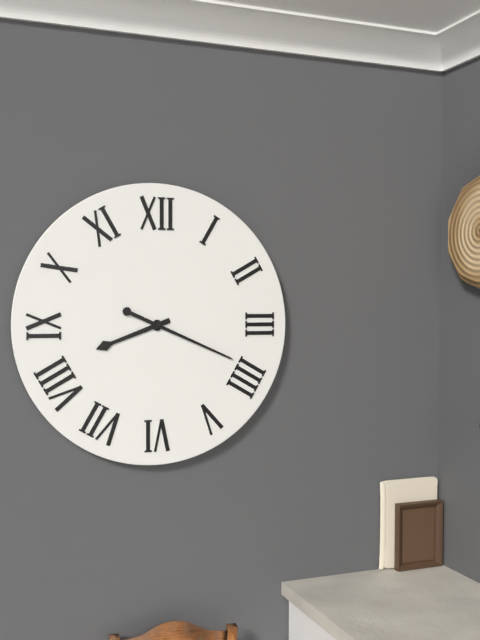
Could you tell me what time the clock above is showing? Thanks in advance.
8:19
